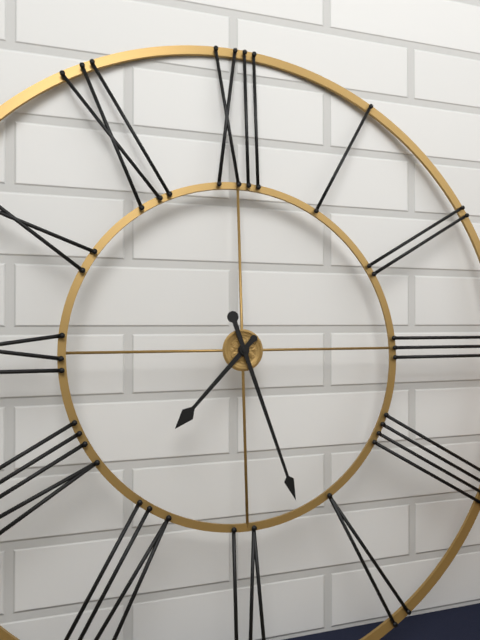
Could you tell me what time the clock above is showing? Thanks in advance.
7:27
